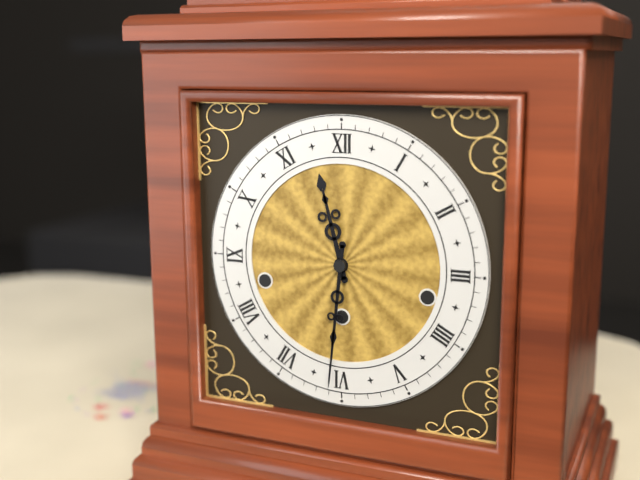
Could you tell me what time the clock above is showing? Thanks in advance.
11:31
